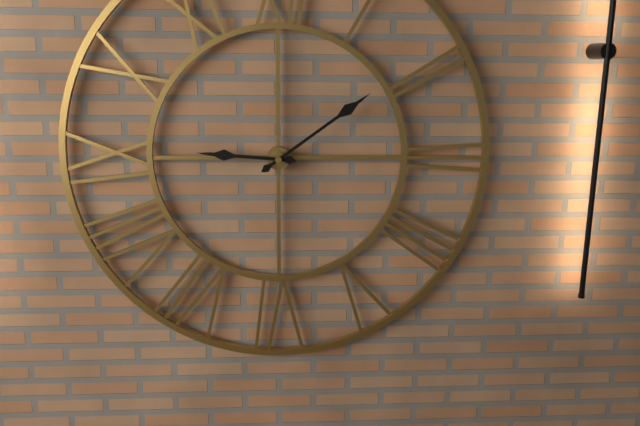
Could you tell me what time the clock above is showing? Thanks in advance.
9:09
